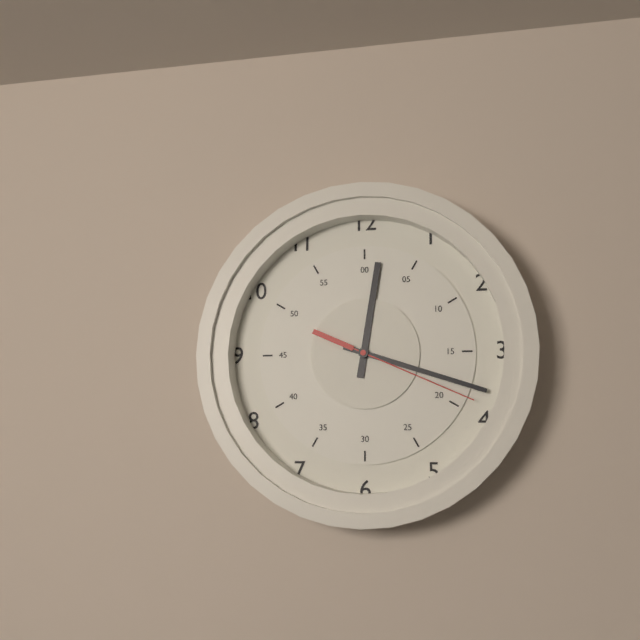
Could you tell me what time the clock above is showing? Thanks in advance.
12:18:19
